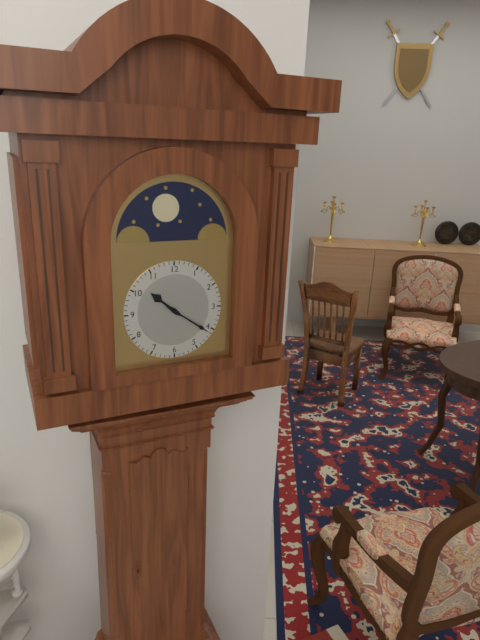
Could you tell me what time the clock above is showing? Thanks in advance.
10:21
